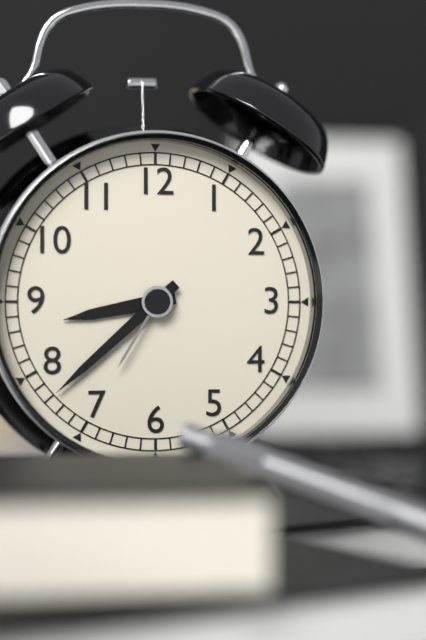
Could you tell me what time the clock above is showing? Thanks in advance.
8:38
